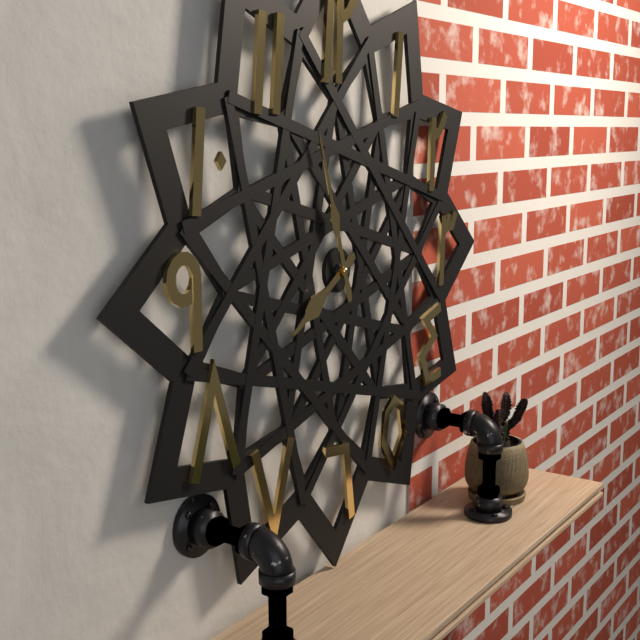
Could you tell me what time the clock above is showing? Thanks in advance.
7:57
